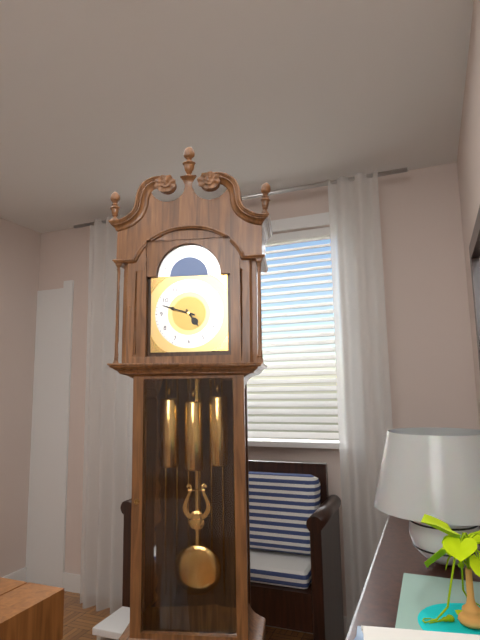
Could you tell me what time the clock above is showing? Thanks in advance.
4:48
